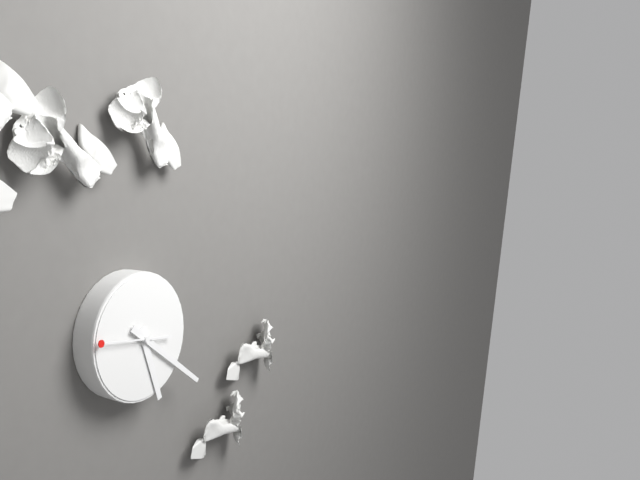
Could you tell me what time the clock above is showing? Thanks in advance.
5:21:46
